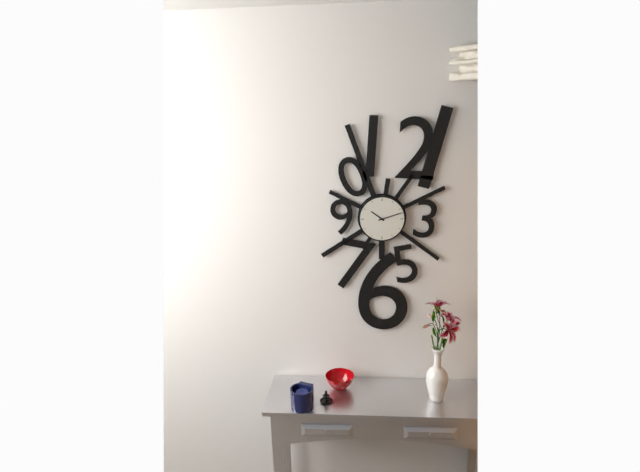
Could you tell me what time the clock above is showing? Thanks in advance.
10:12
